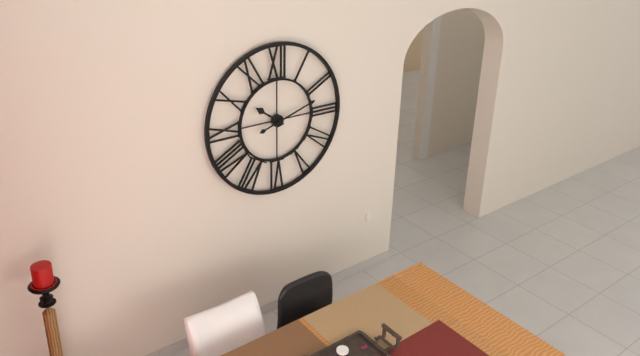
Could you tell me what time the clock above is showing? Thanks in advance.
10:12
